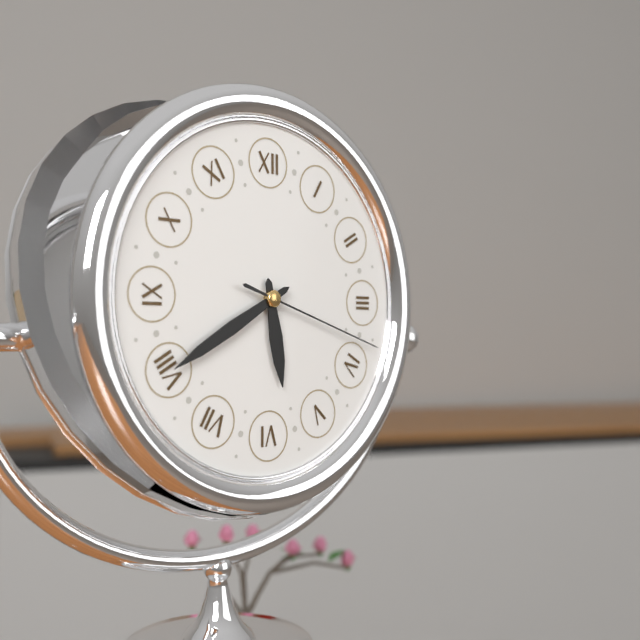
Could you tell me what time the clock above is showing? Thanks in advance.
5:40:18
